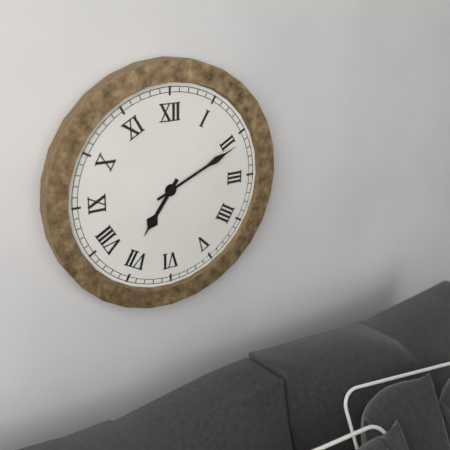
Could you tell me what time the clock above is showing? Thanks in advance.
7:11
